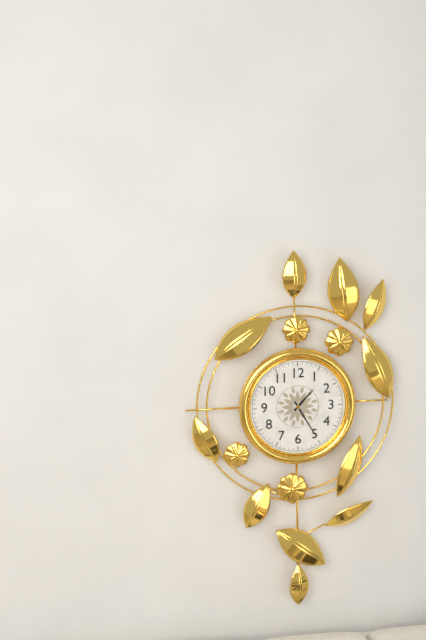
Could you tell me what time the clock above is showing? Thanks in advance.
1:25
